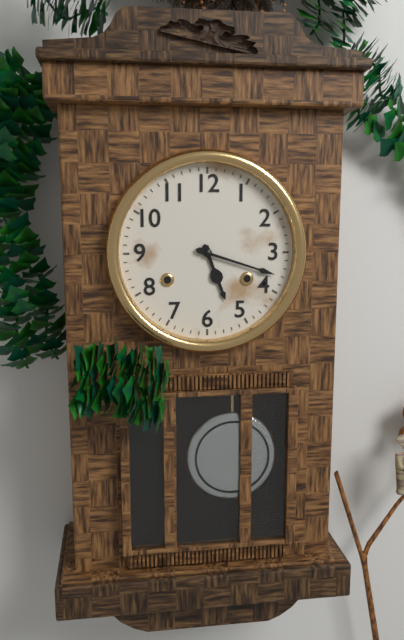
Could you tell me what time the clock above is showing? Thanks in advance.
5:18
